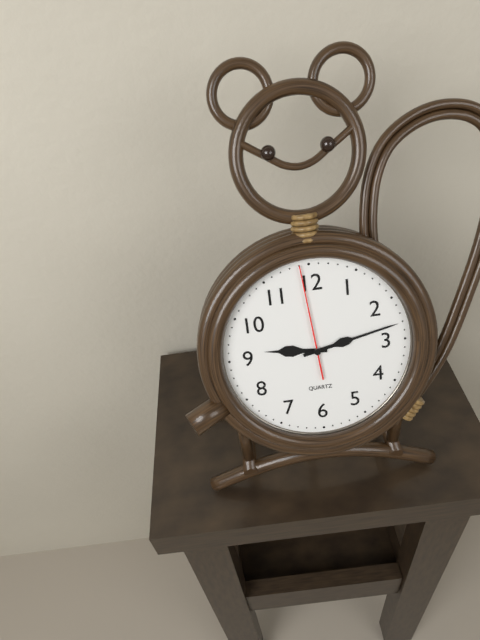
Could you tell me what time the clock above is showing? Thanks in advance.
9:13:59
